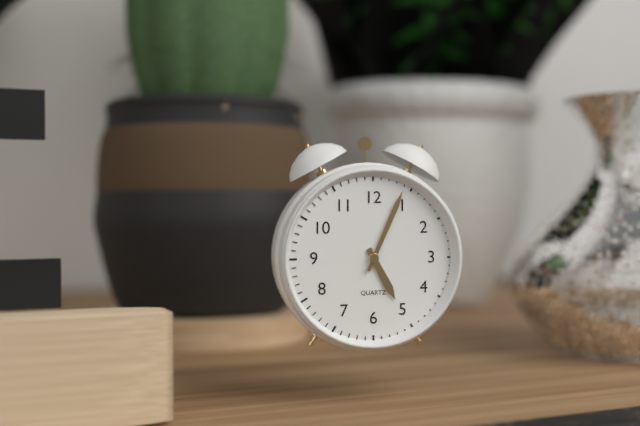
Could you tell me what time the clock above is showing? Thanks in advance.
5:04
